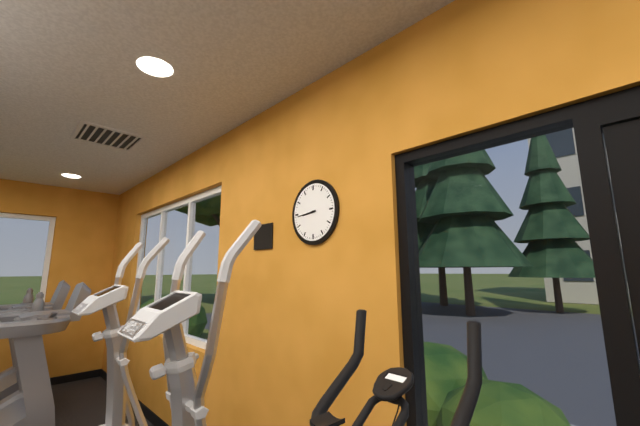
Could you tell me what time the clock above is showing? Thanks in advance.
8:44
